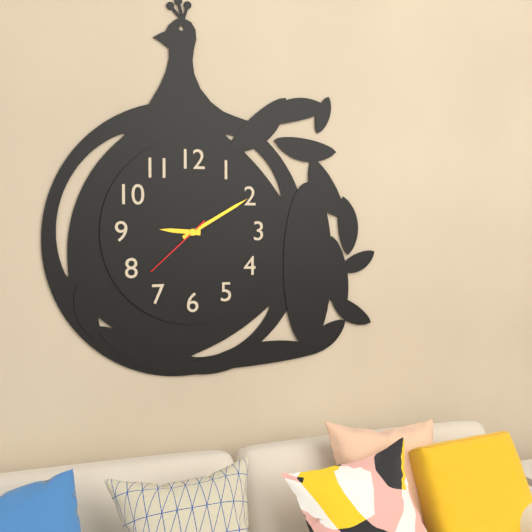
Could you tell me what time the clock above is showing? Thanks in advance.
9:10:38
